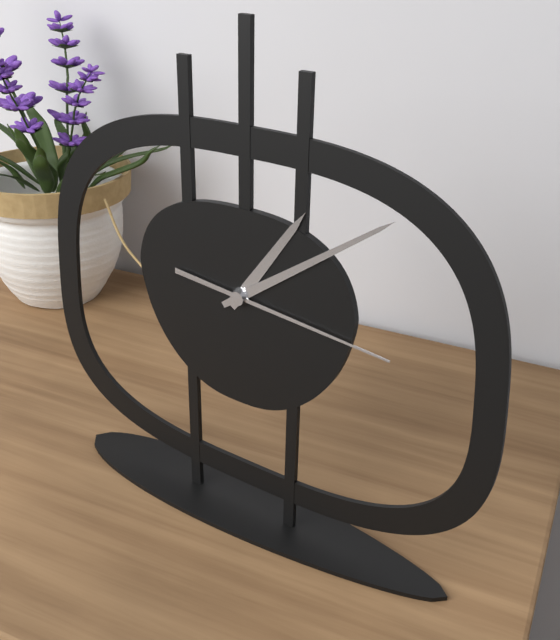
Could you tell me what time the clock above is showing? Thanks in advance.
1:09:16
